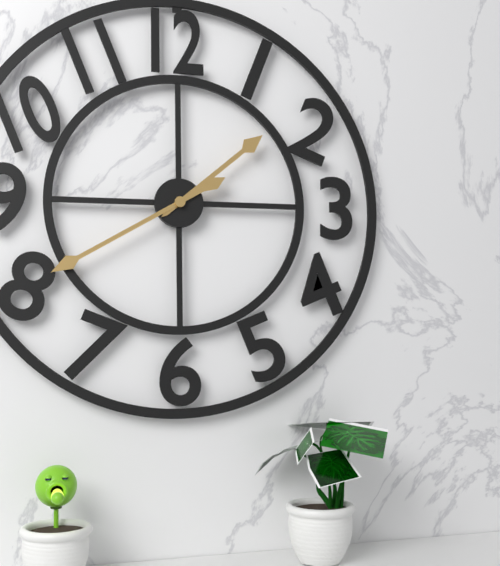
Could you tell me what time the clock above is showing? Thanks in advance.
1:40
